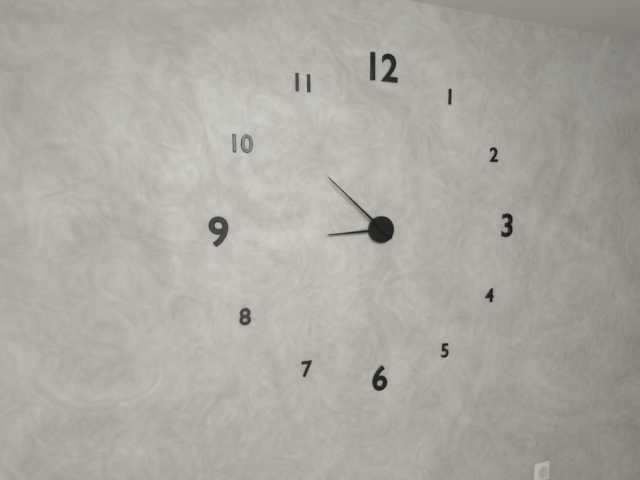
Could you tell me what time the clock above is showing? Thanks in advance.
8:52
